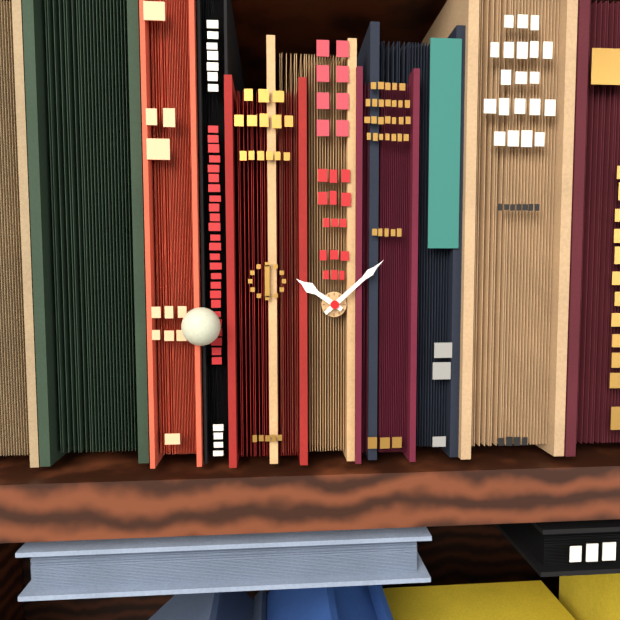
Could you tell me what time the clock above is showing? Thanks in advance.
10:08
